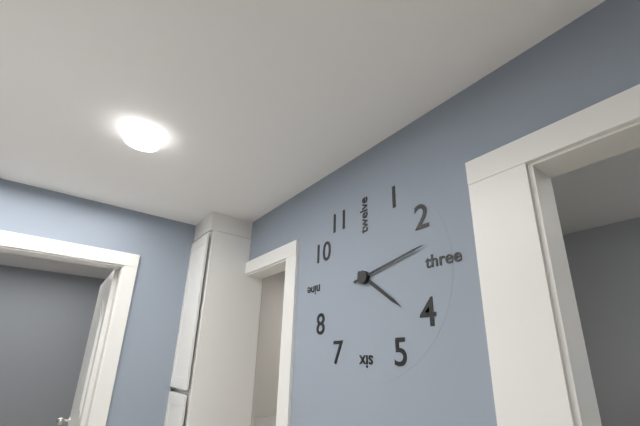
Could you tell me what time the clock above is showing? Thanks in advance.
4:13
